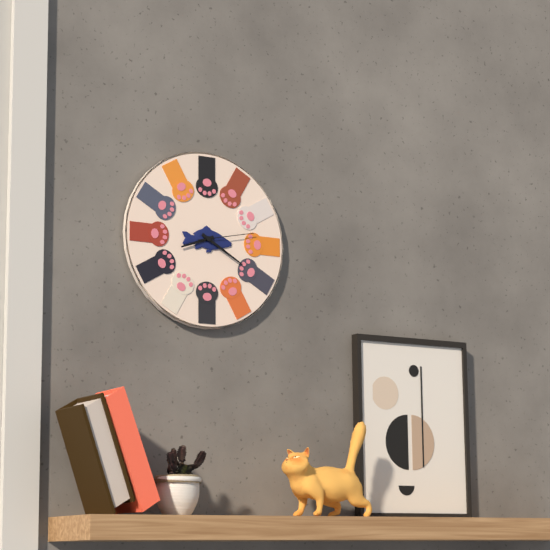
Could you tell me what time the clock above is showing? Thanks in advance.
8:20:13
